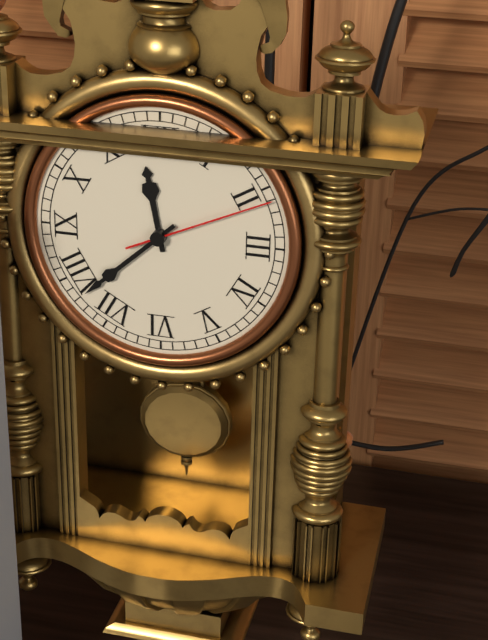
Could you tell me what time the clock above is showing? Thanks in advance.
11:38:11
